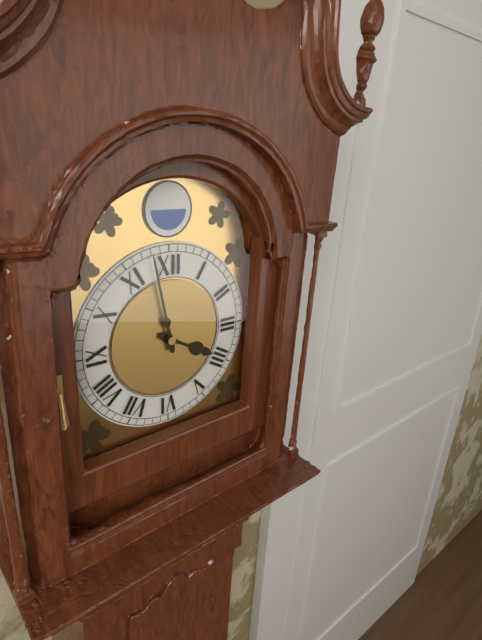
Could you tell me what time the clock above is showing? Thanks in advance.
3:58
